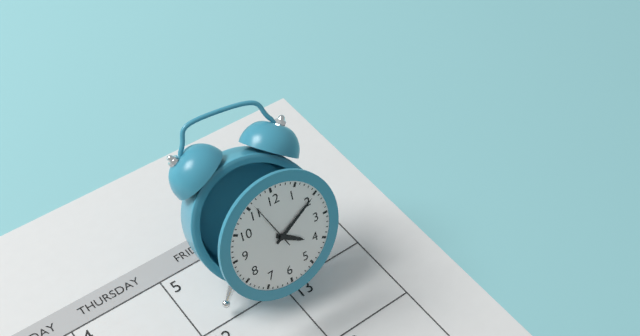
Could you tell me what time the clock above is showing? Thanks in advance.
4:10
